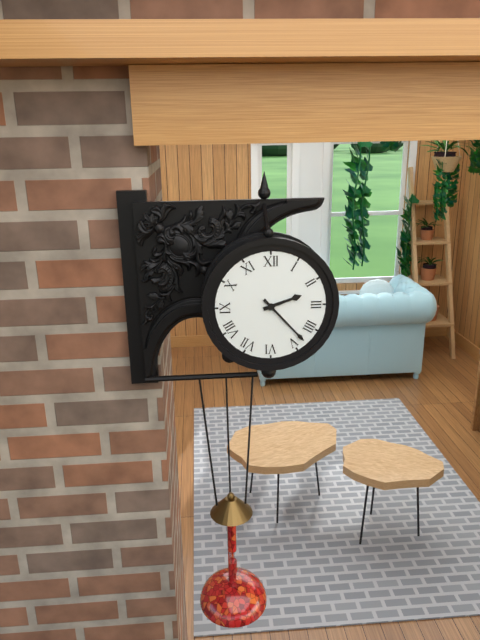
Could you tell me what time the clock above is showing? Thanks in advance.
2:23
